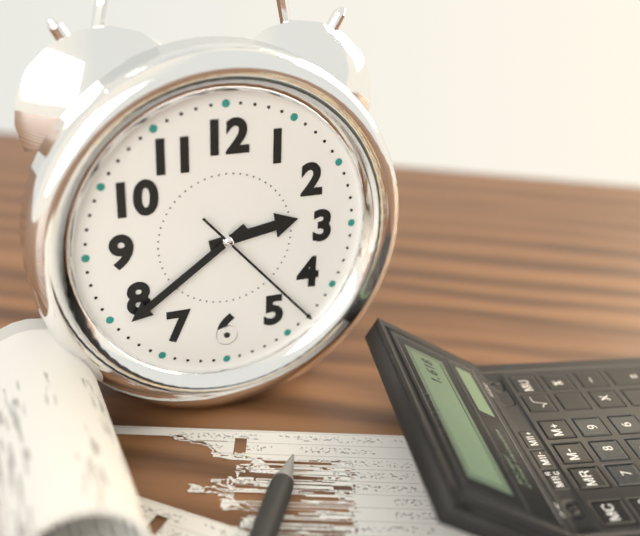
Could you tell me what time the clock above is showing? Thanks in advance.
2:39:23
